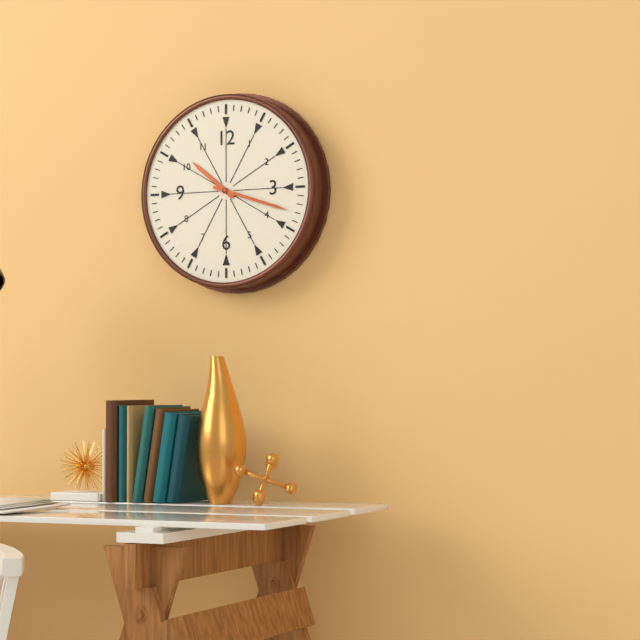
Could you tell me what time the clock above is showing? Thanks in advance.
10:18
